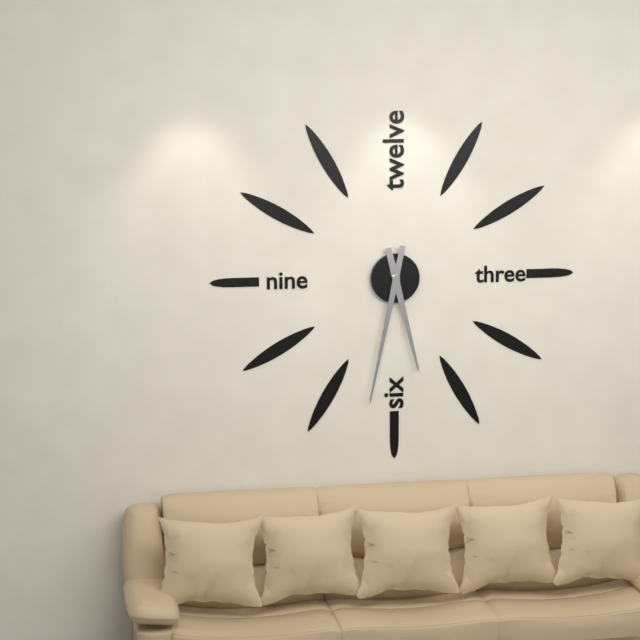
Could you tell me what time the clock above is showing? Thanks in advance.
5:32
